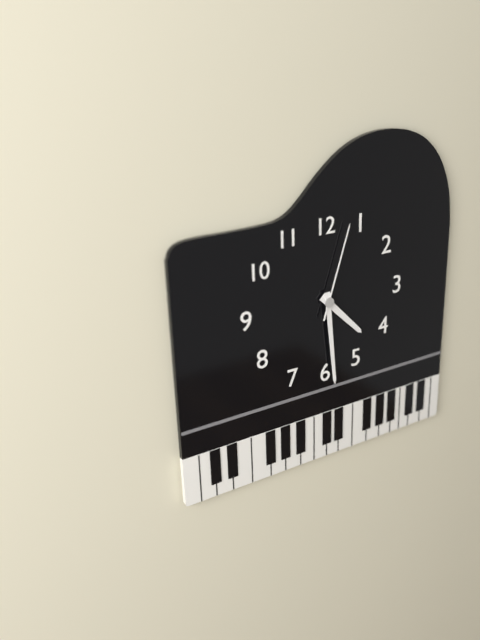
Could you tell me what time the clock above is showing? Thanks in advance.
4:29:03
